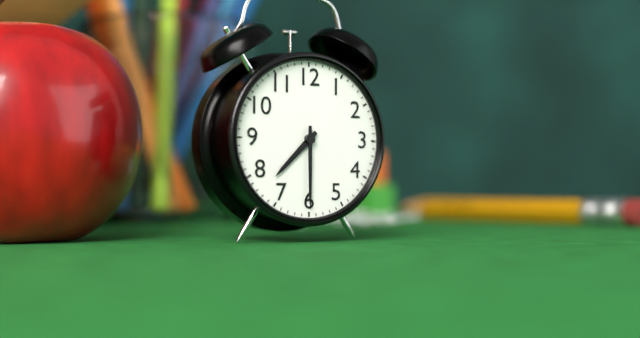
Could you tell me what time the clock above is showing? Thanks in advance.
7:30
